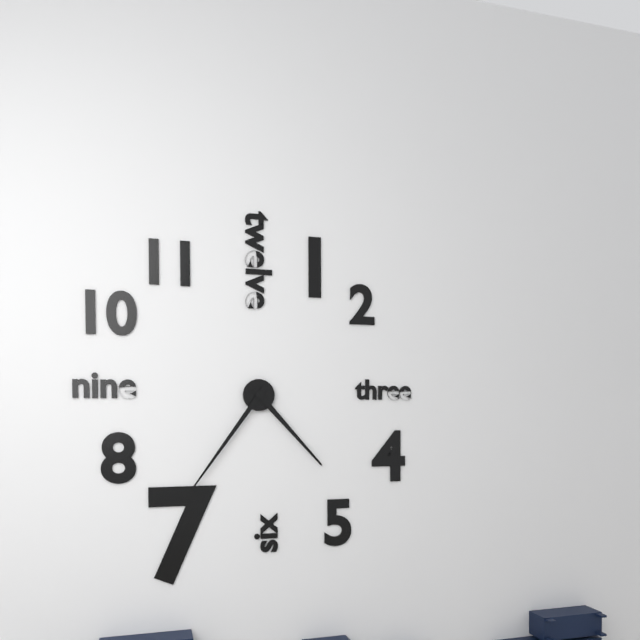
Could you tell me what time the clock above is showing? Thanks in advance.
4:36
